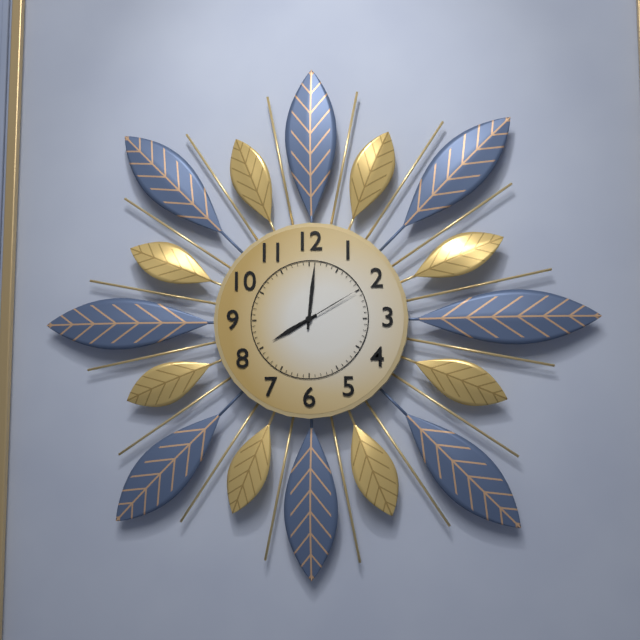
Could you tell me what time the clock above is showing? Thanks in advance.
8:01:10
